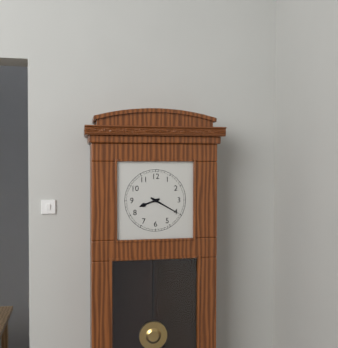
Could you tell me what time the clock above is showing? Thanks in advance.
8:20
